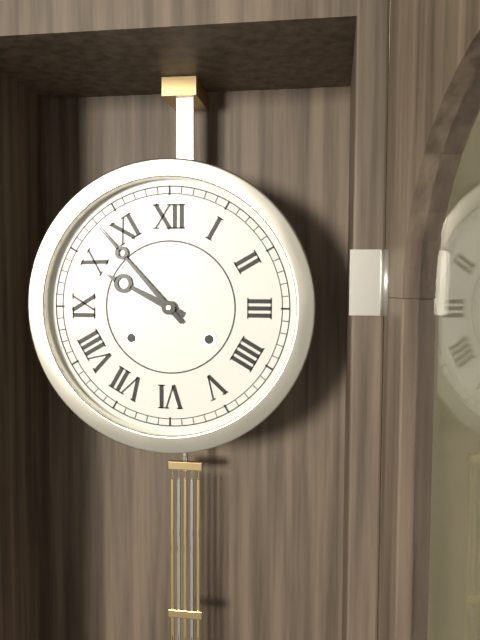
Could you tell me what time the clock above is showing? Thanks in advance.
9:53
